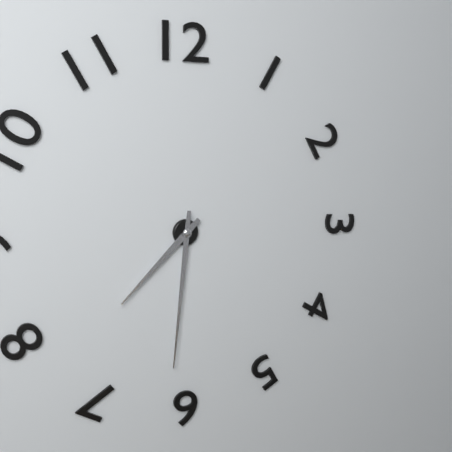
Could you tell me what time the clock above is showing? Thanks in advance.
7:31
